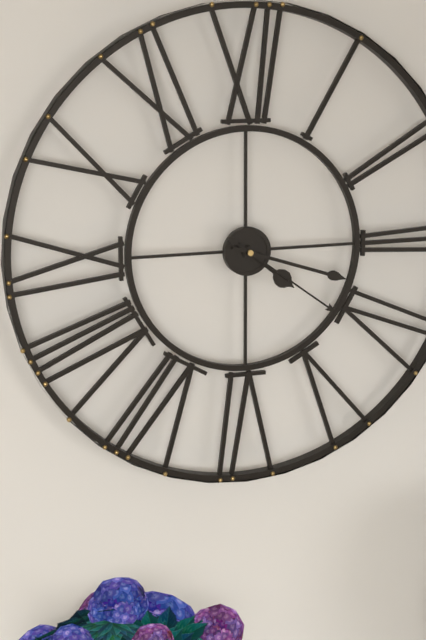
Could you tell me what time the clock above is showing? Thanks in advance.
4:18:21
